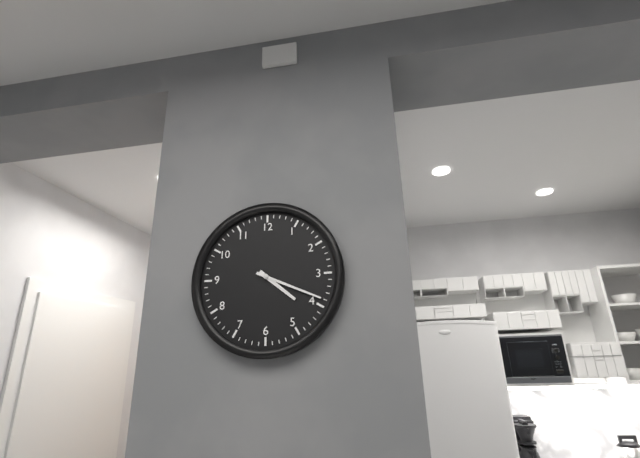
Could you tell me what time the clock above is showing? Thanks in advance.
4:19
